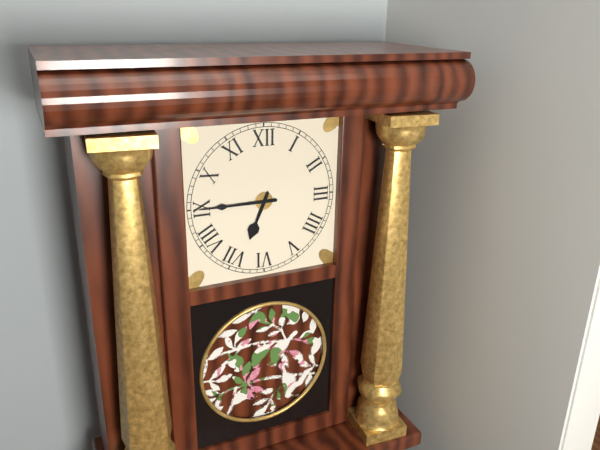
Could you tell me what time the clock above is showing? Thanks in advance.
6:45
